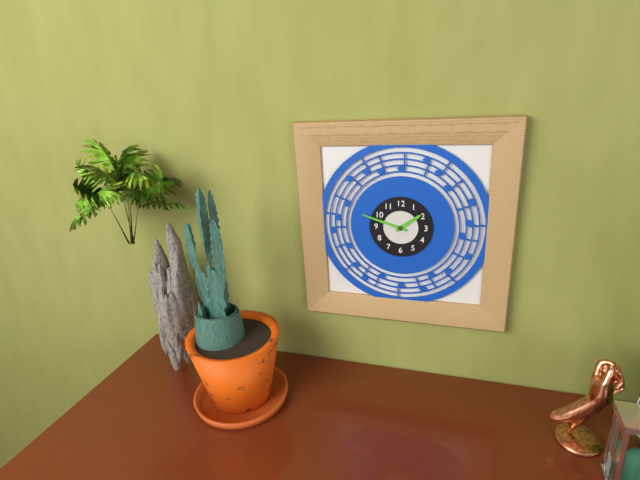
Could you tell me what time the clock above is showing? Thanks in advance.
1:48
